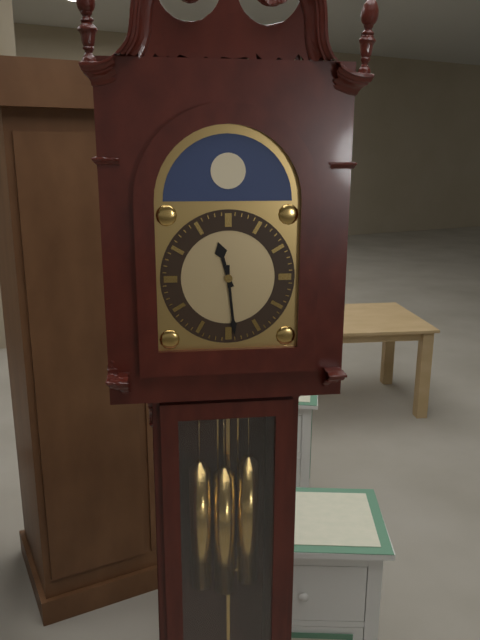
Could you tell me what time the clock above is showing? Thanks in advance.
11:29
